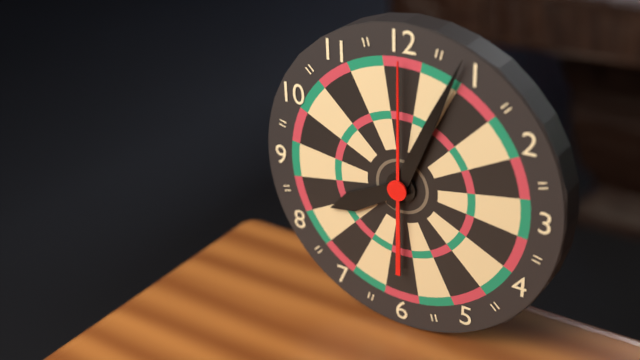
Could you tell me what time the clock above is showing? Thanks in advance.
8:04:00
